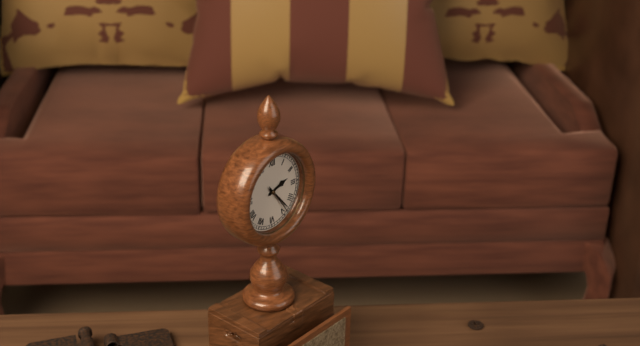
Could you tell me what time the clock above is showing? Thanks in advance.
2:23
